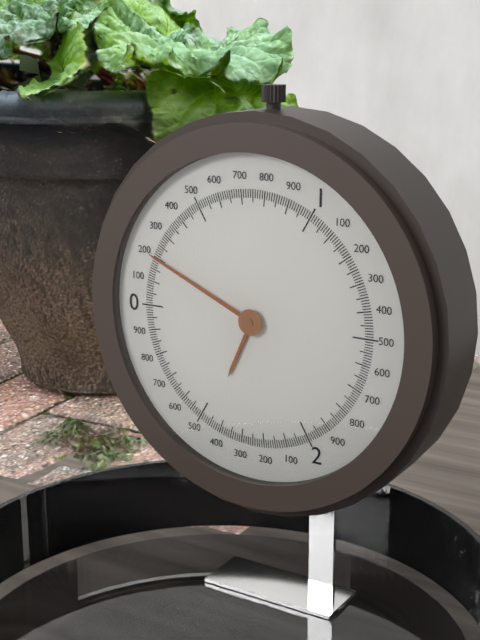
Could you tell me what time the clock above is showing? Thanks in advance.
6:49
